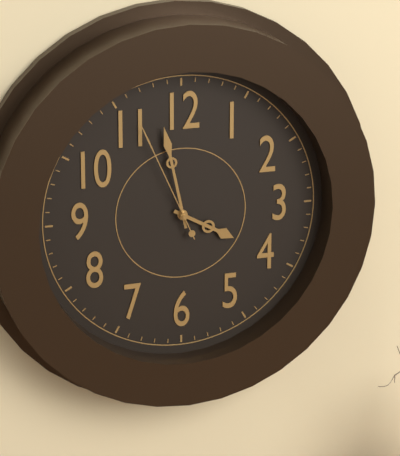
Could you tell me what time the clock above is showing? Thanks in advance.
3:58:56
